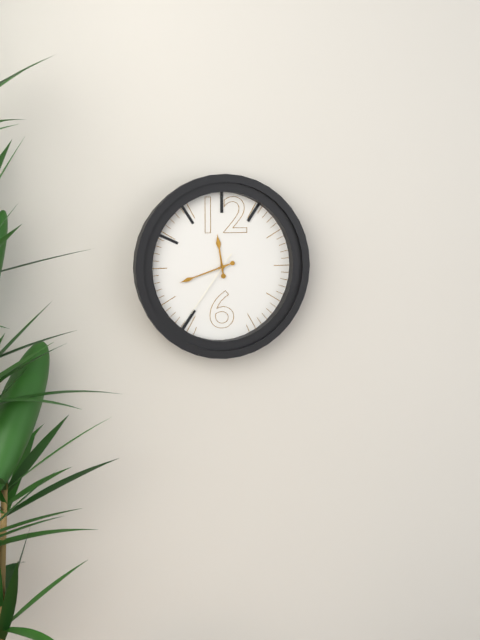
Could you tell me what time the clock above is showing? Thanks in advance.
11:42:36
